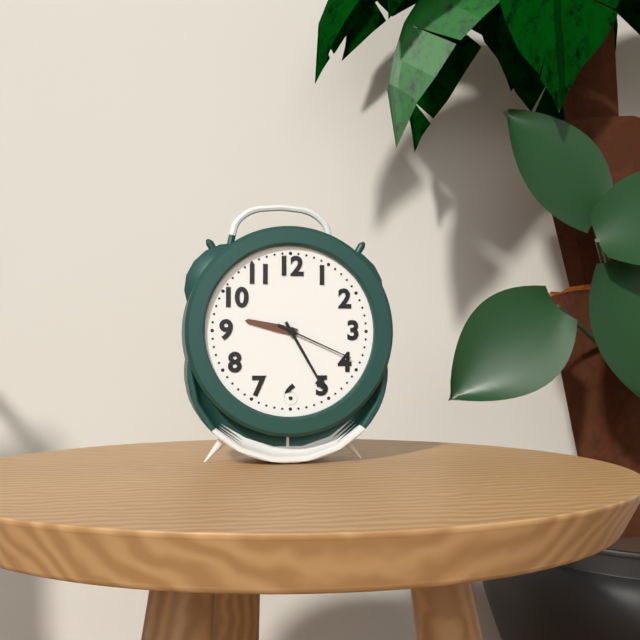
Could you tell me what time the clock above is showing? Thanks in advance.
9:25:19
